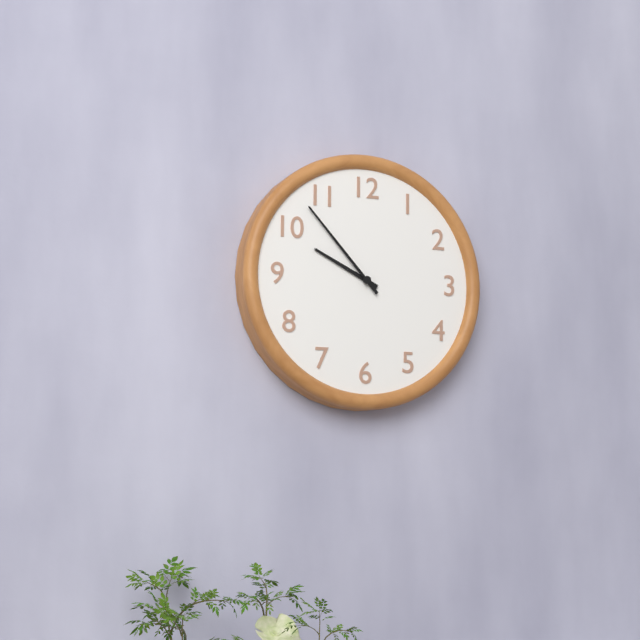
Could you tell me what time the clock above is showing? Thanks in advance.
9:53
